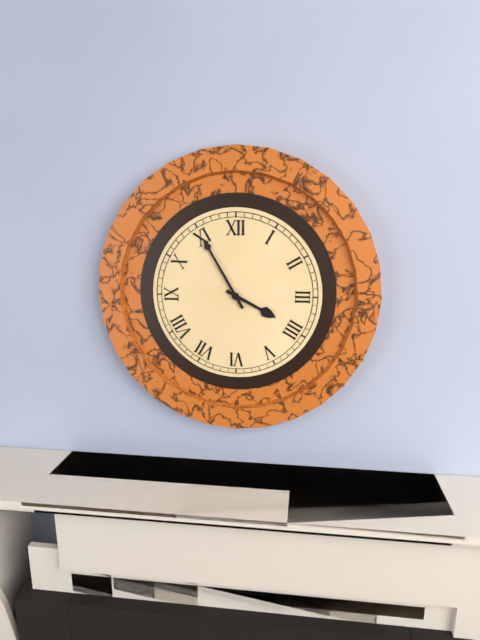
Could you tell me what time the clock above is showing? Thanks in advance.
3:55
